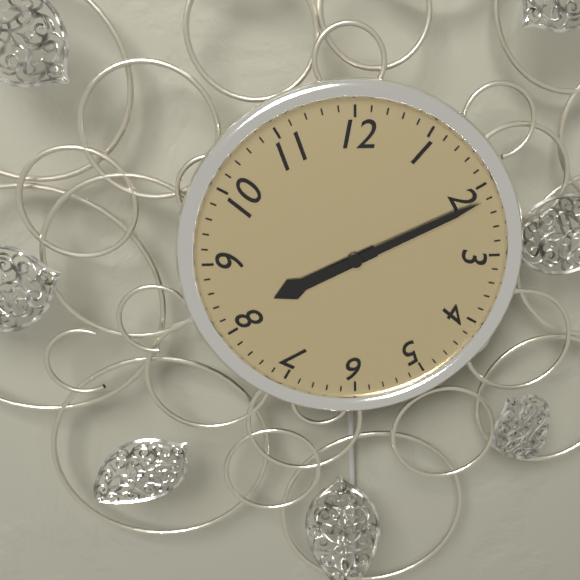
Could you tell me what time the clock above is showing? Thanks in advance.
8:11
